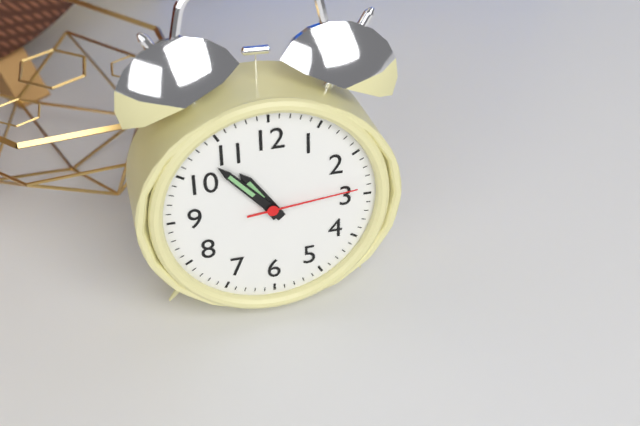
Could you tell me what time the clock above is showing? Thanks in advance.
10:53:14
